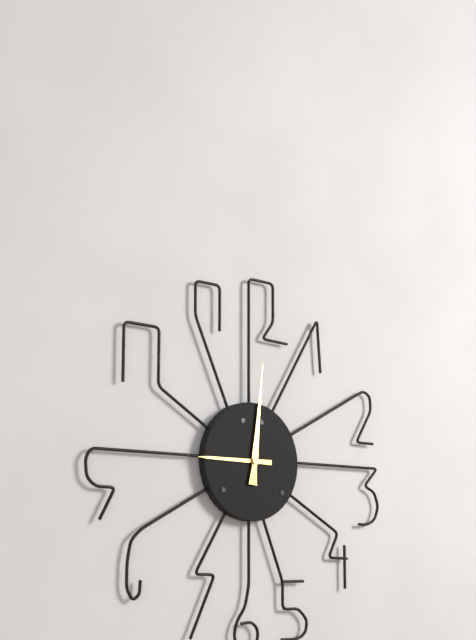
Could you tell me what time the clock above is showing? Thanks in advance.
9:01
